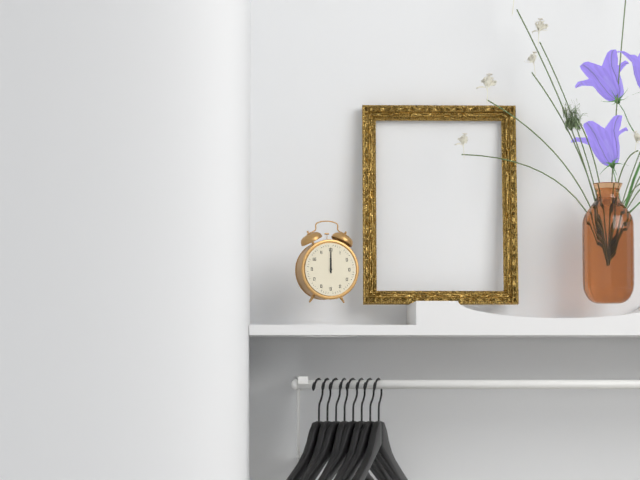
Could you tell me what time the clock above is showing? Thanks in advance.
12:00
